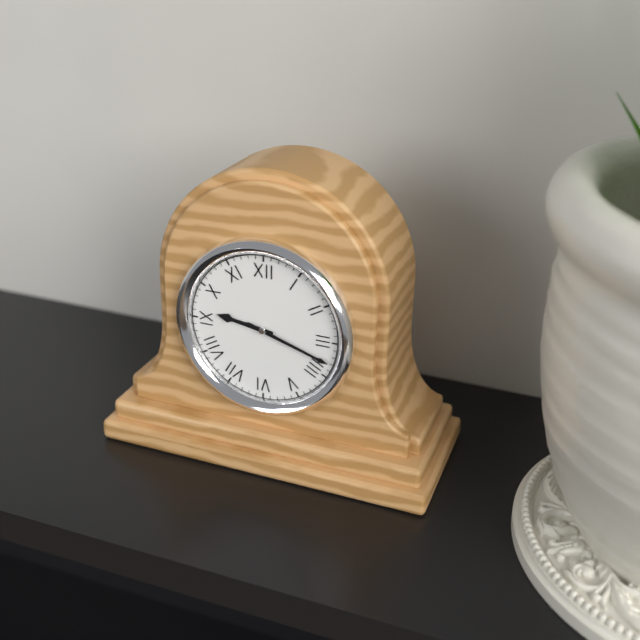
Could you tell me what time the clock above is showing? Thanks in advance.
9:18
